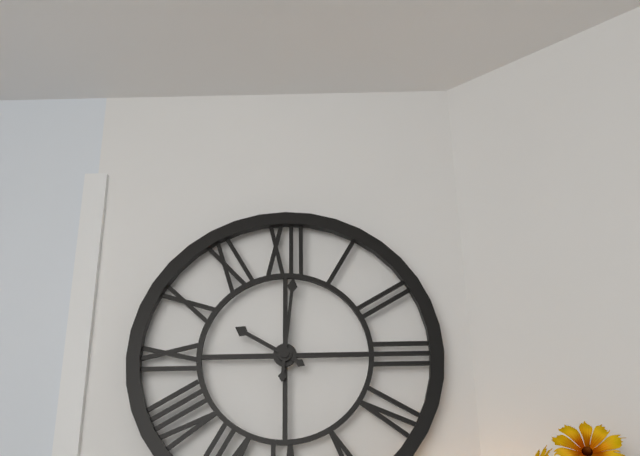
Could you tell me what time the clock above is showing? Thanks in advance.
10:01
